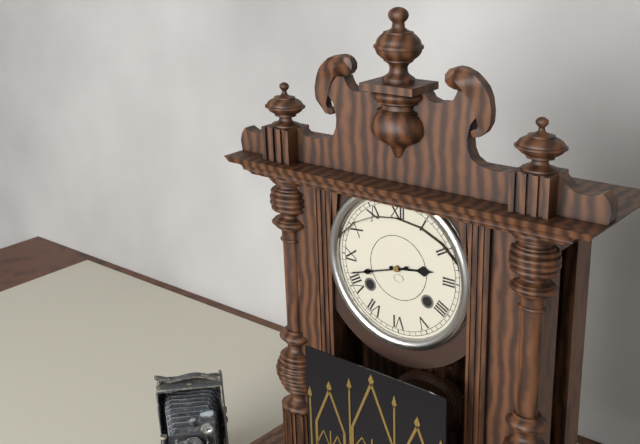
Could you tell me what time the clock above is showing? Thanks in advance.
2:42
